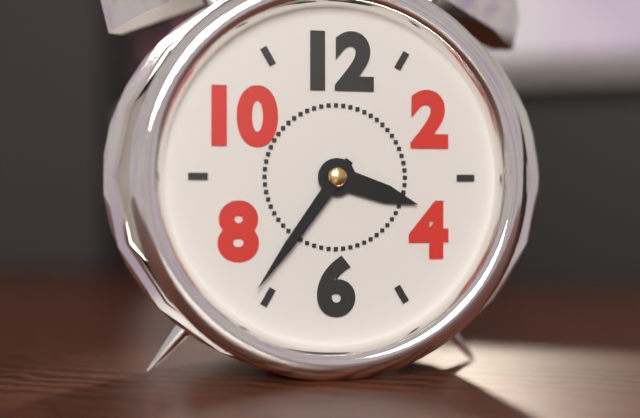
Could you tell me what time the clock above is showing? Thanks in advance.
3:36
